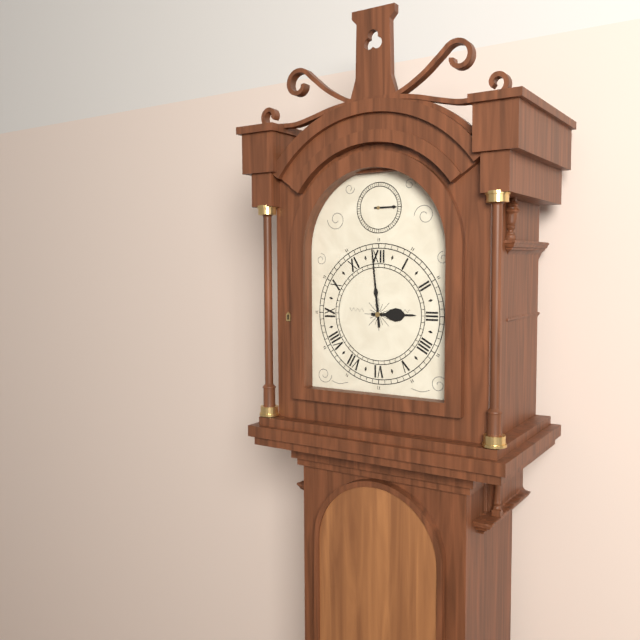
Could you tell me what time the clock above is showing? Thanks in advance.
2:59
